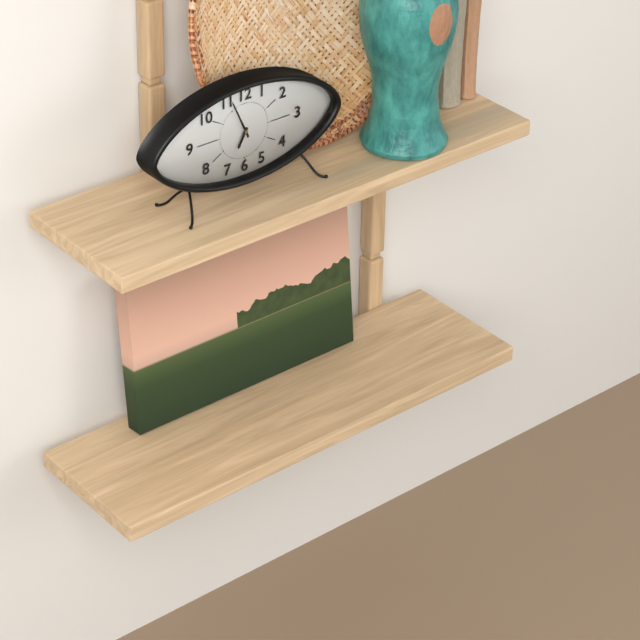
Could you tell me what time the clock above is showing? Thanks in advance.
6:56
